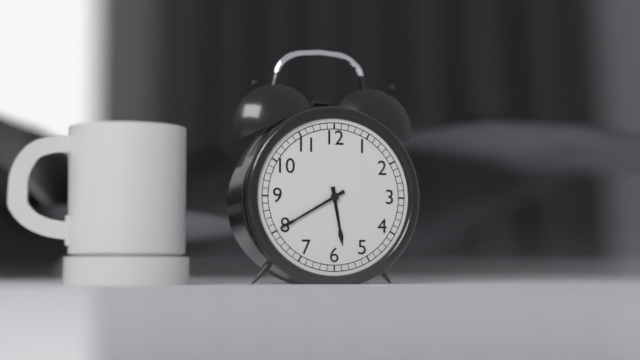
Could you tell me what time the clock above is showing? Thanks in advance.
5:40
